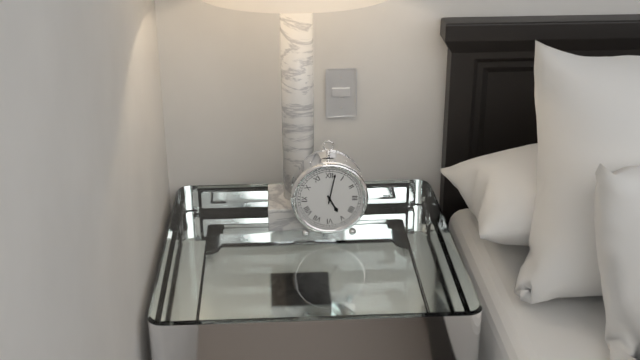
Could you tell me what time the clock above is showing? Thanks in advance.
5:02
